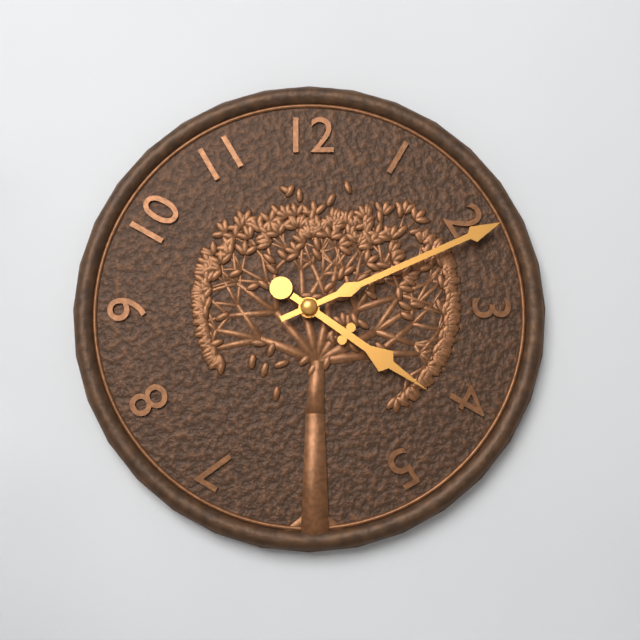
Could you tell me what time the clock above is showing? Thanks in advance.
4:11
